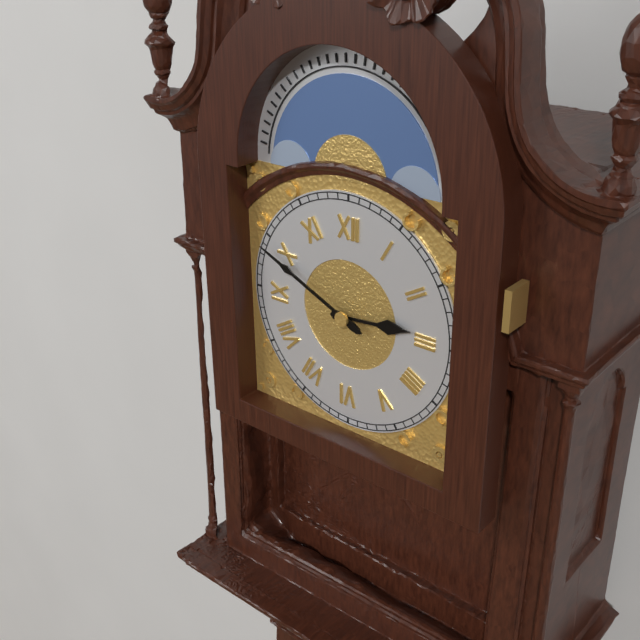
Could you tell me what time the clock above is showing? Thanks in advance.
2:49
